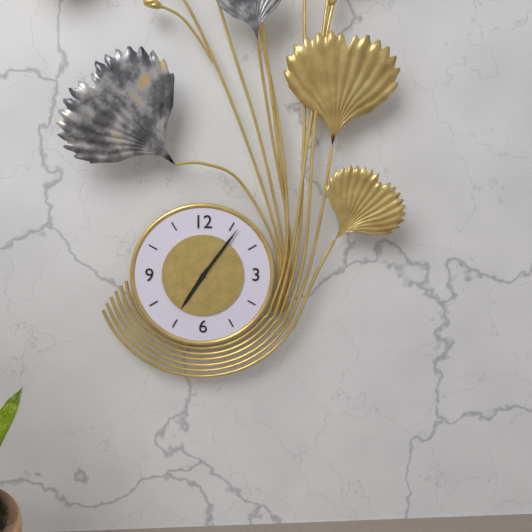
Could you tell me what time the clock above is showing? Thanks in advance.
7:06
